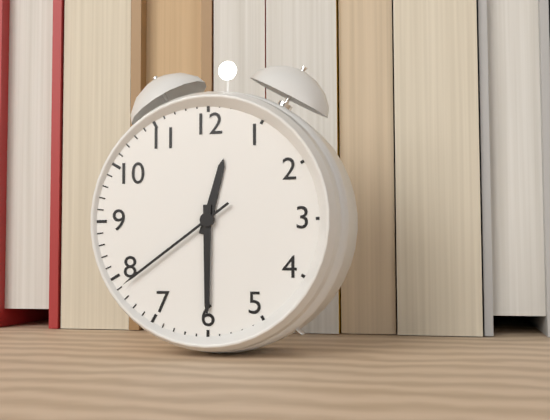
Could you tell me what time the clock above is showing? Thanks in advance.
12:30:39
